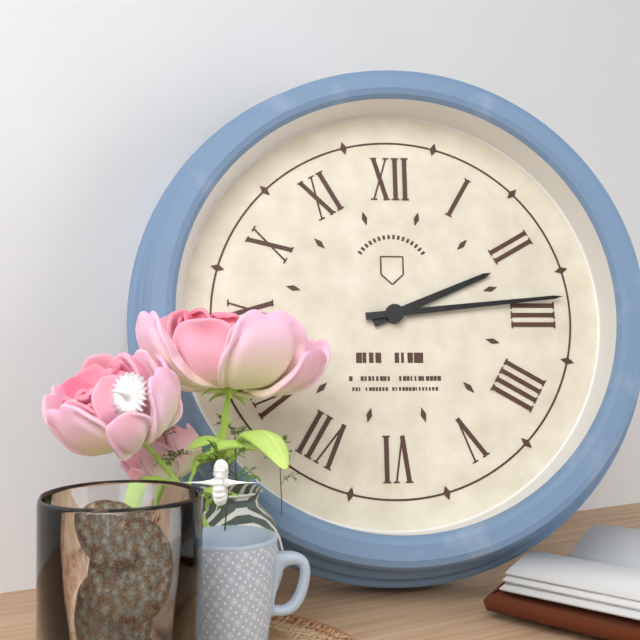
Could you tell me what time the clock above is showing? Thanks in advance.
2:14
